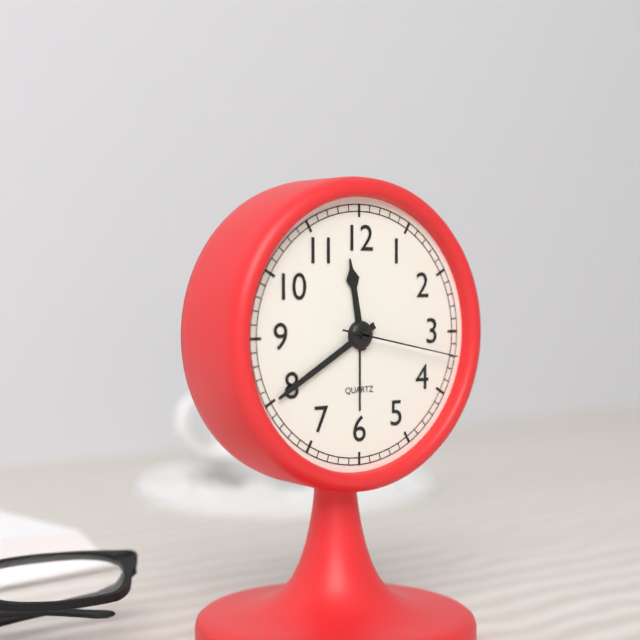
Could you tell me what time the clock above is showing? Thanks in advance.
11:40:17
